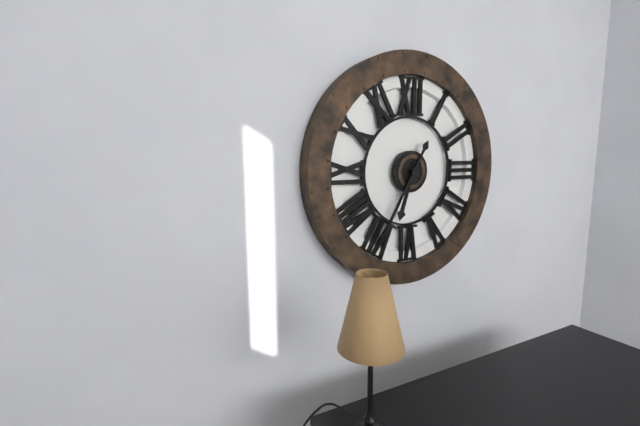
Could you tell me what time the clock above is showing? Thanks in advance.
6:35
